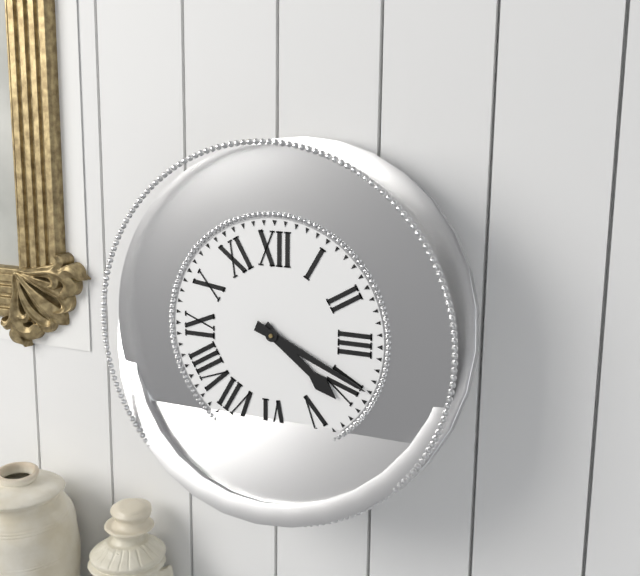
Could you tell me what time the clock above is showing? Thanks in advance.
4:19
